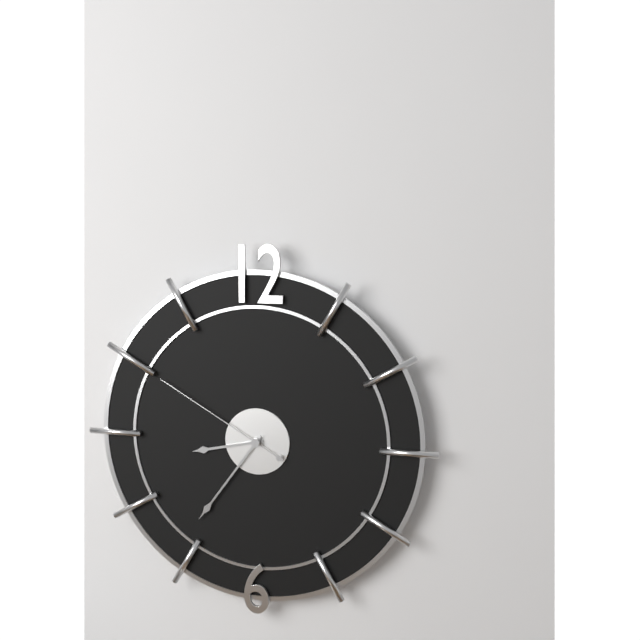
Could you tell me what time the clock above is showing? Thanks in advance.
8:36:50
